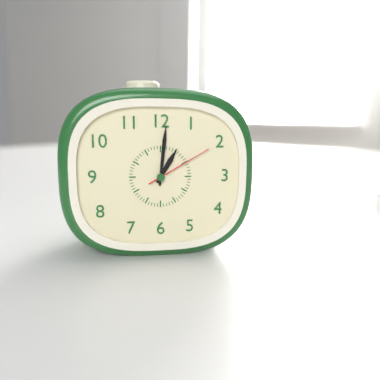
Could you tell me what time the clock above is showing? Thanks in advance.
1:01:10
